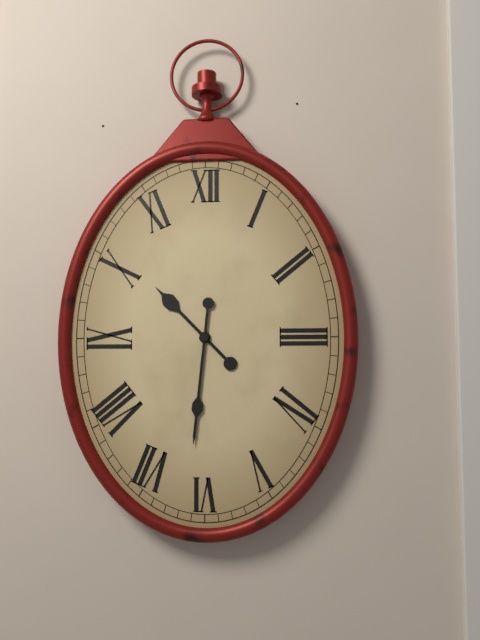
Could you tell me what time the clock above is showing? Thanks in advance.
10:31
